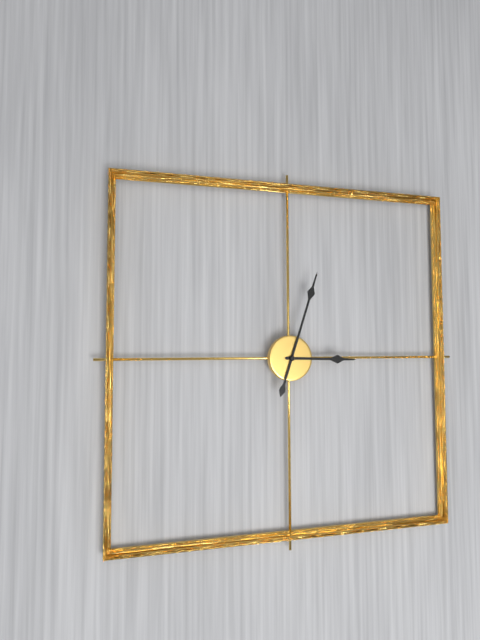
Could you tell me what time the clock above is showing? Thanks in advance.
3:03
